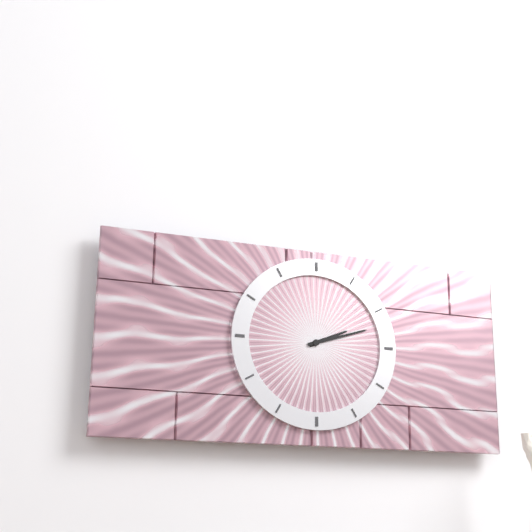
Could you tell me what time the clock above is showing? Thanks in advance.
2:12
